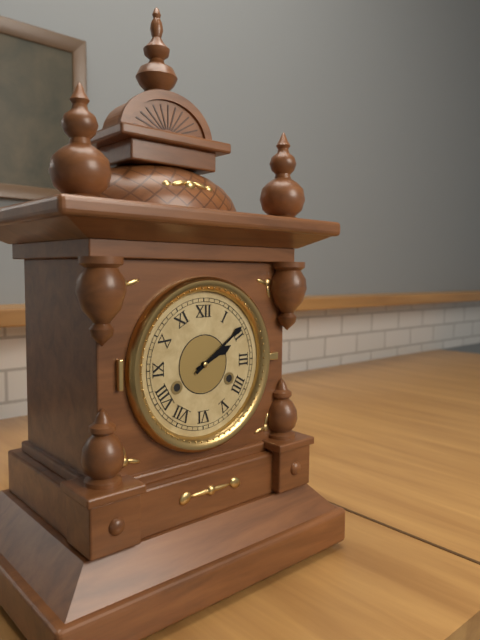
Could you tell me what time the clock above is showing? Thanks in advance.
2:09
